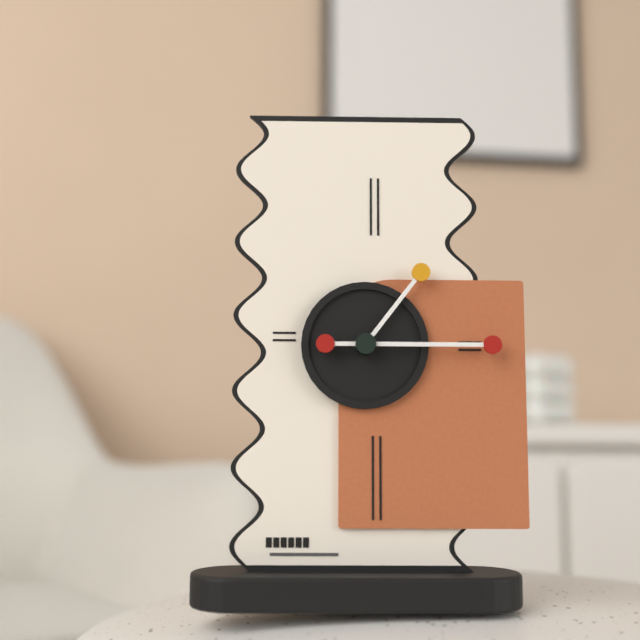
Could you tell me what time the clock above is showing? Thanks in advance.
1:15
